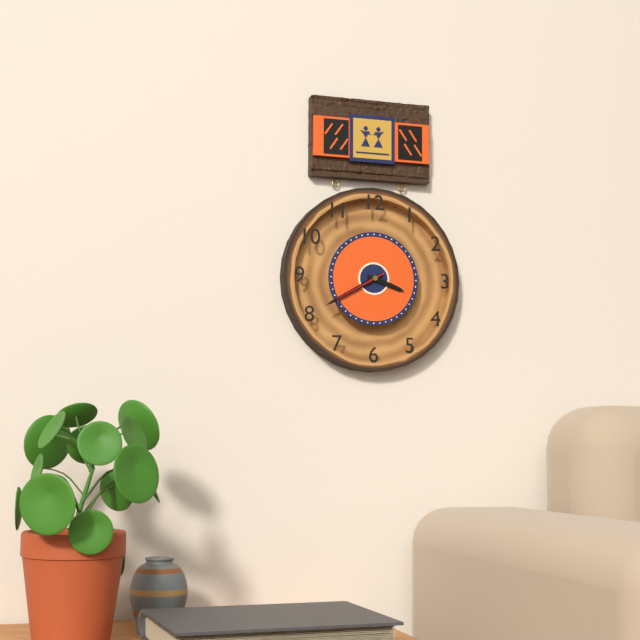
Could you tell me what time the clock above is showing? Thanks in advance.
3:40:40
